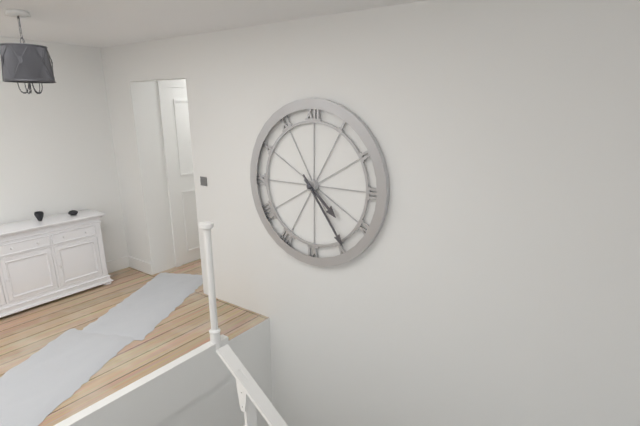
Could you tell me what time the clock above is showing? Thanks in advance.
4:24
